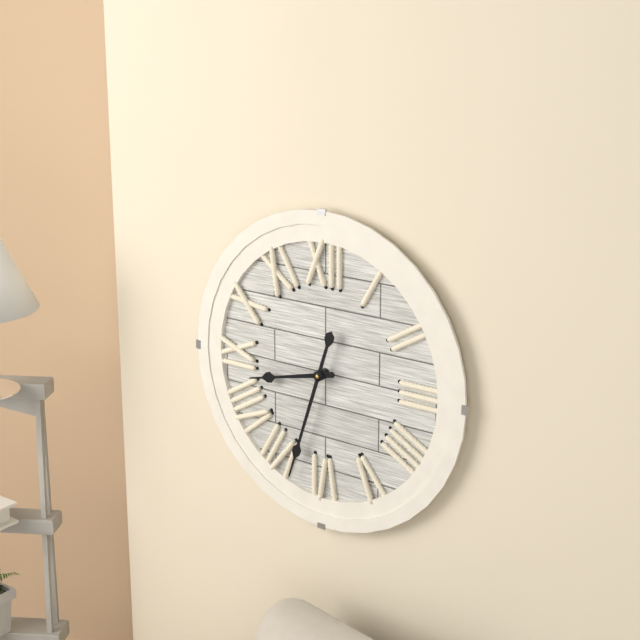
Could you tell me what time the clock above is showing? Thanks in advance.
8:33
